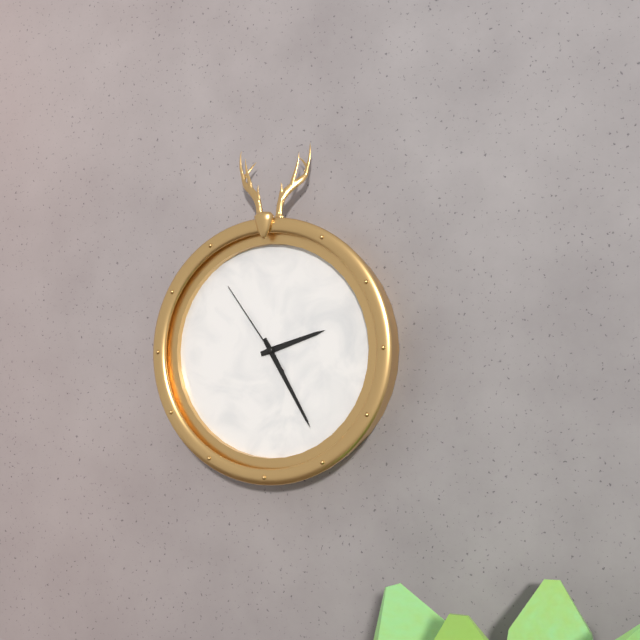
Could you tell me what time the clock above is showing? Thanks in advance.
2:25:54
